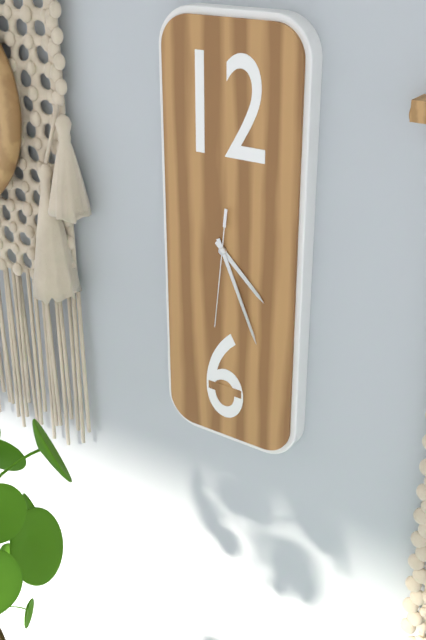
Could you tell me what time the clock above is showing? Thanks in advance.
4:26:31
